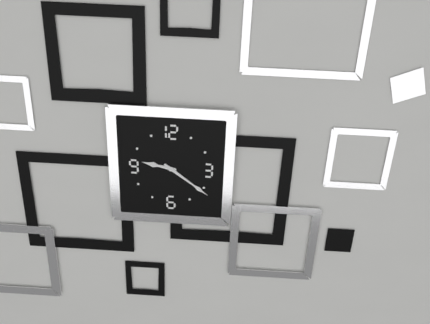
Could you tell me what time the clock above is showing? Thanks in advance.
9:21
